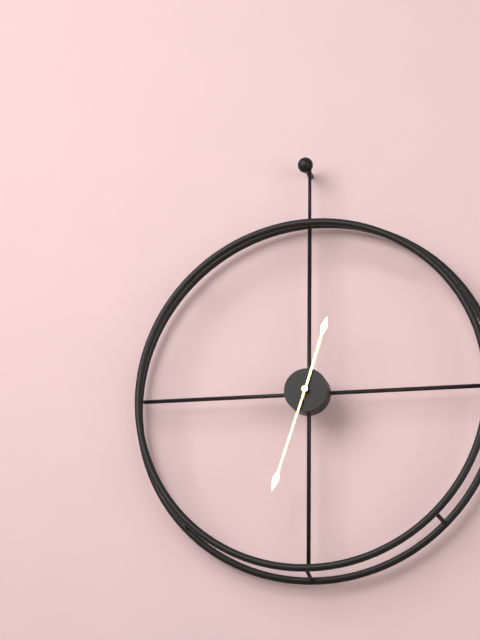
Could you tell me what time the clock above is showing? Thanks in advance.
12:33
